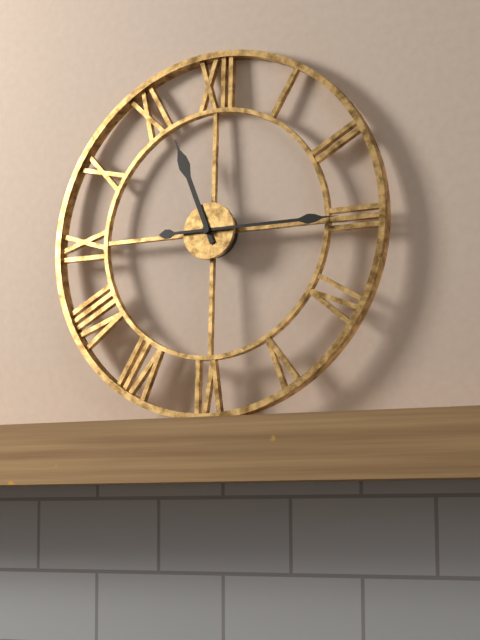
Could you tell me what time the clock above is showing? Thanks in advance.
11:15
